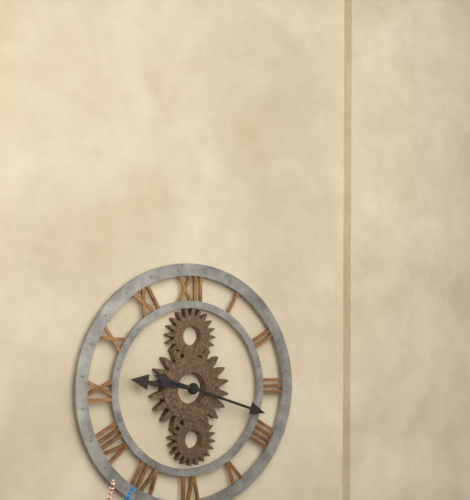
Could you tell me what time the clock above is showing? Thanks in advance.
9:18
